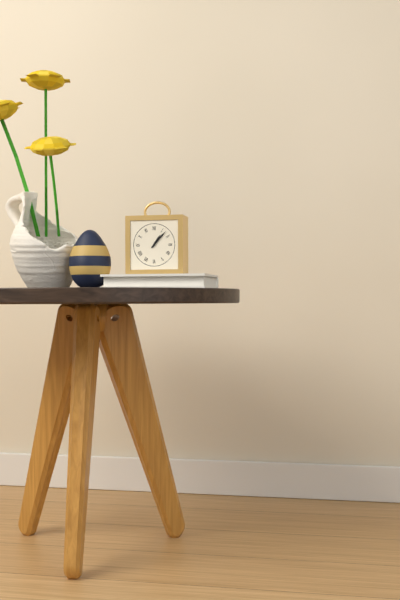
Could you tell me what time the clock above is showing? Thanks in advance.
1:07
